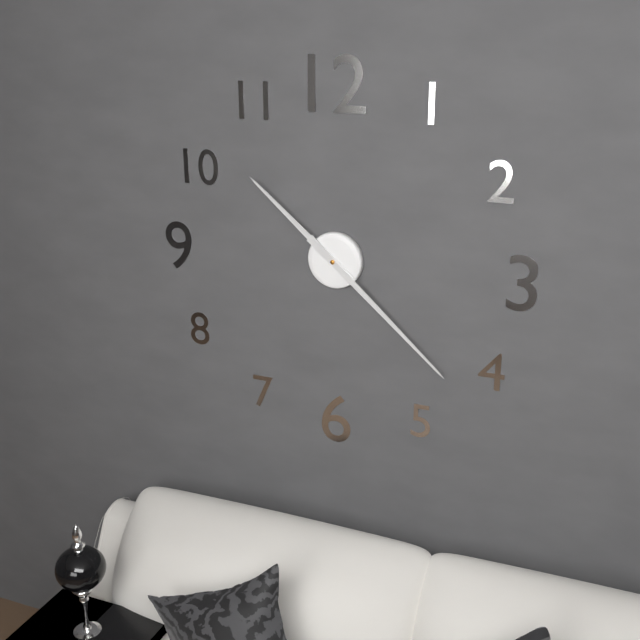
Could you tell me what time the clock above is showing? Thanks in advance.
10:22
